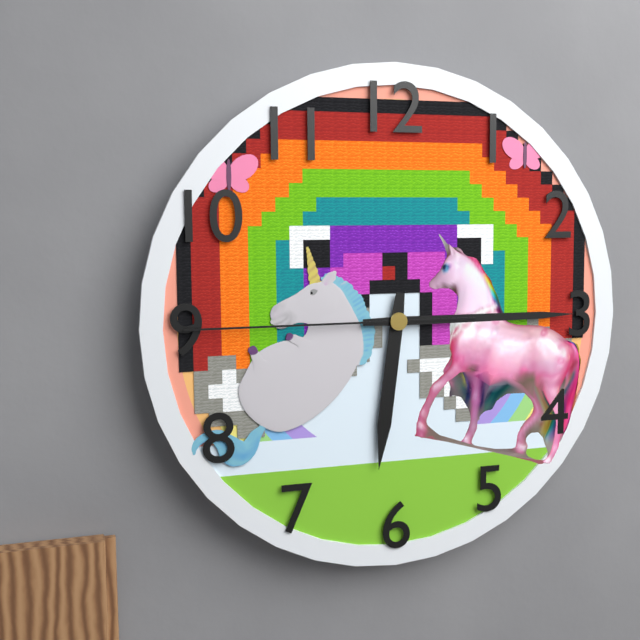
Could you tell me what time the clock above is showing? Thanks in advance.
6:15:45
